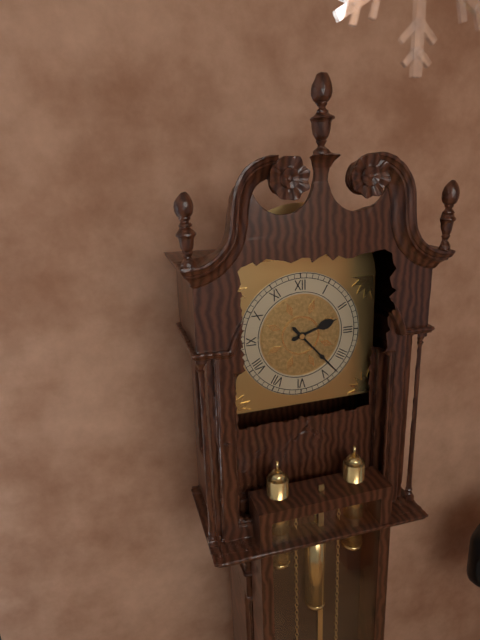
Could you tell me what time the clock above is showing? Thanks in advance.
2:23
